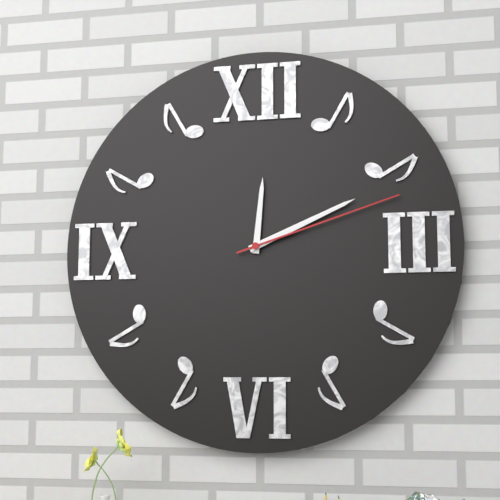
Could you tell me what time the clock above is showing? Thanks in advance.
12:11:12
